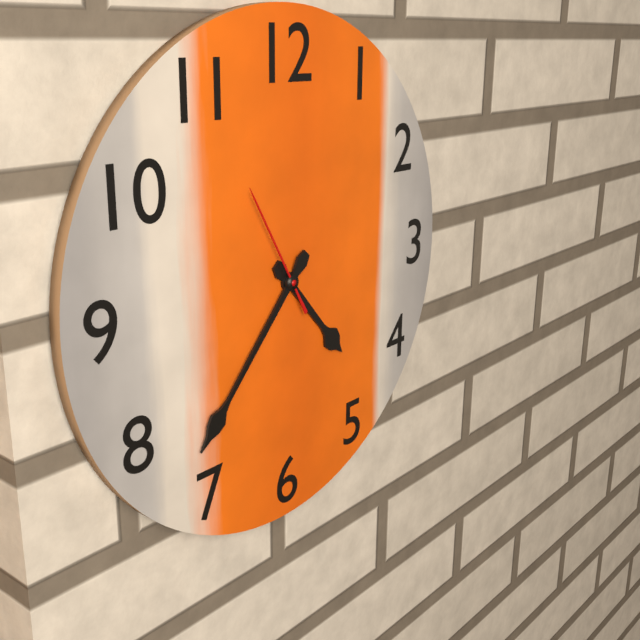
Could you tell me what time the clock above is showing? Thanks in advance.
4:37:55
